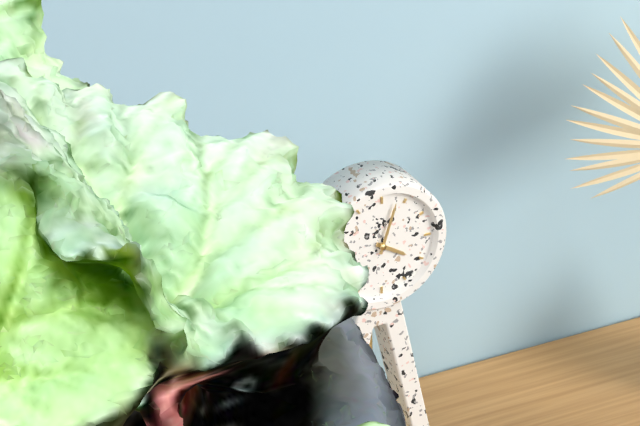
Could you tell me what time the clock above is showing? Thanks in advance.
4:03
